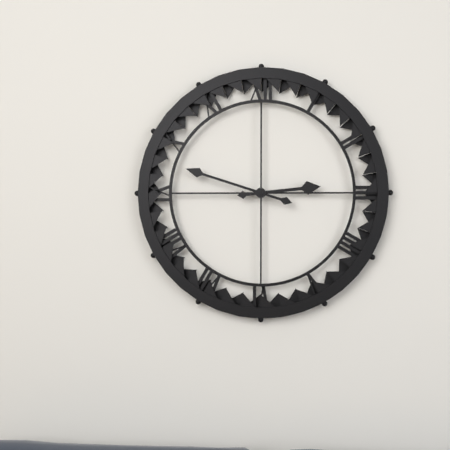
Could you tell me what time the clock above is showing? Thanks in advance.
2:48
